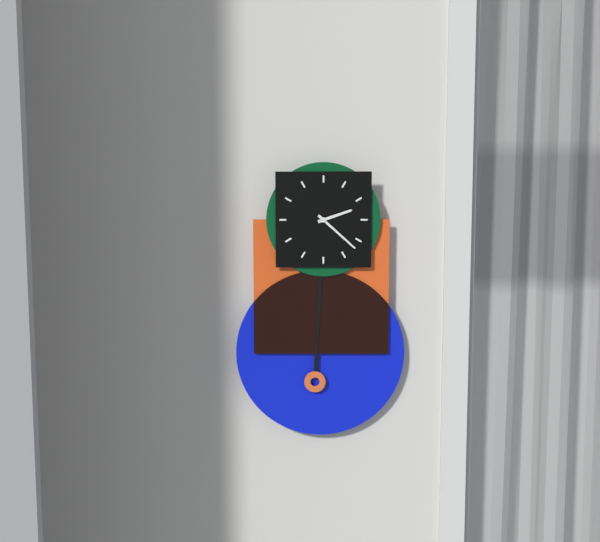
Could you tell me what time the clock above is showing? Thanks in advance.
2:22
